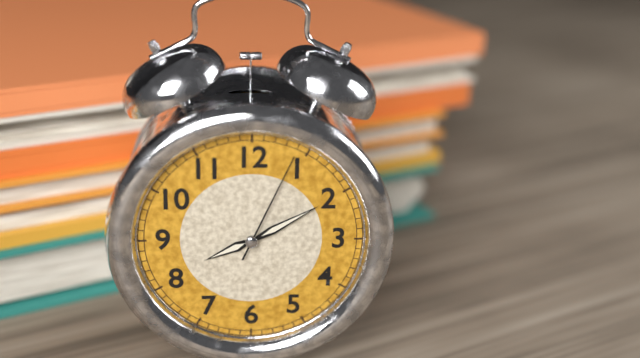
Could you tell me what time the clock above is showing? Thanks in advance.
8:10:04
